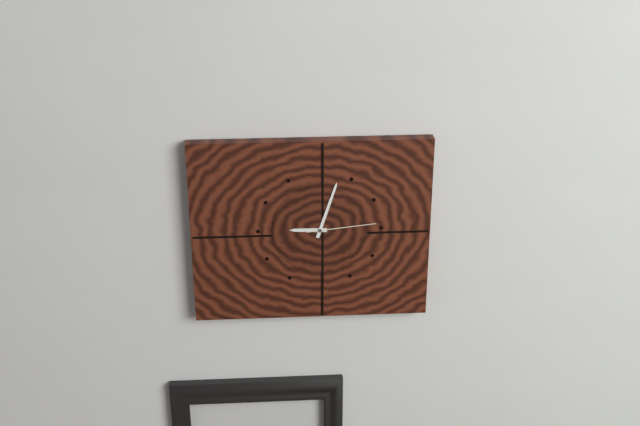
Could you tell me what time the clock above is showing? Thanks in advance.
9:03:14
